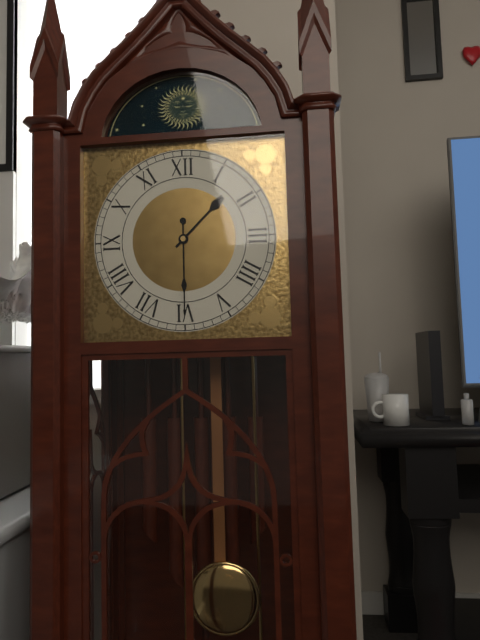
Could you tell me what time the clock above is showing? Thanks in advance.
1:30
